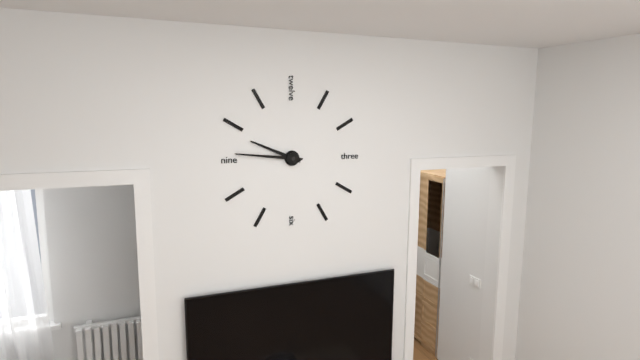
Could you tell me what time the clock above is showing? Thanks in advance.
9:46
